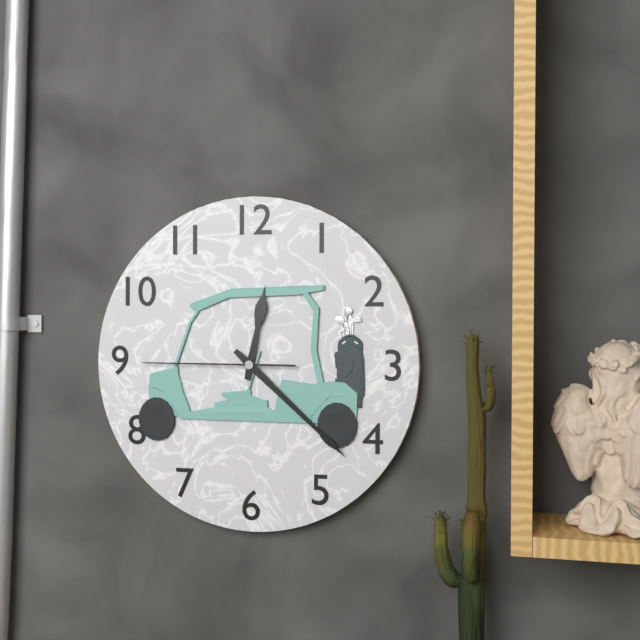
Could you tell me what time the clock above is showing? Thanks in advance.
12:22:45
